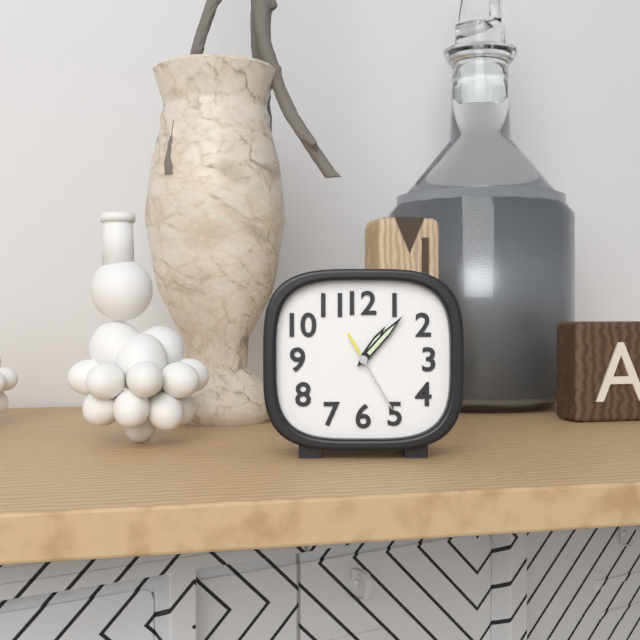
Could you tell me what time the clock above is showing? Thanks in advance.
1:07:25
